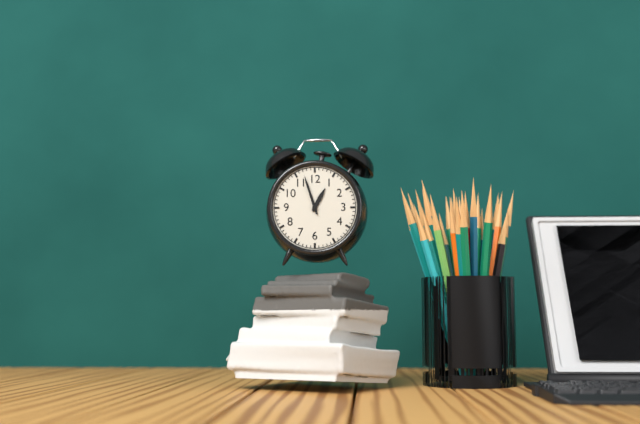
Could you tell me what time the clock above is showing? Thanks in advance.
12:57
